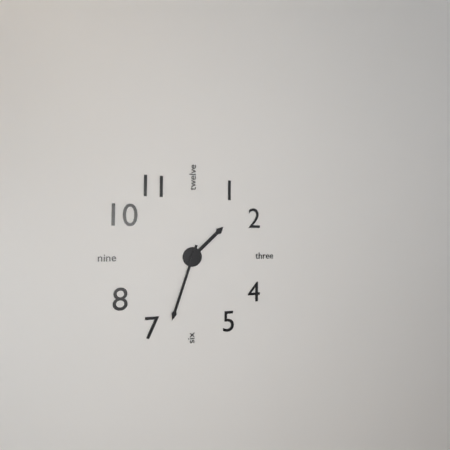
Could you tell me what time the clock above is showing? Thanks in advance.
1:33
